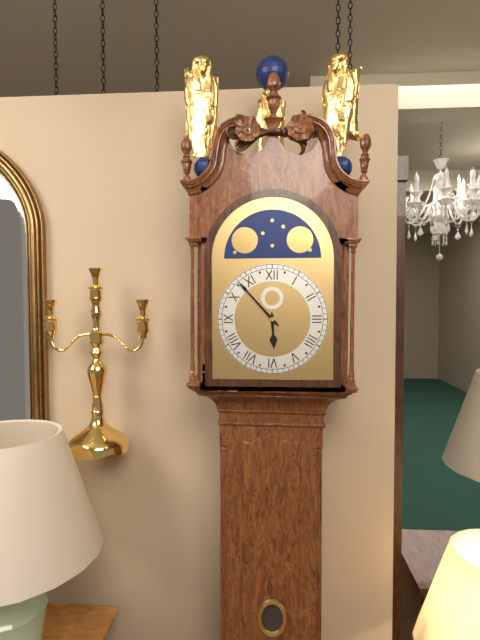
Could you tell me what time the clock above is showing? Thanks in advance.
5:53
